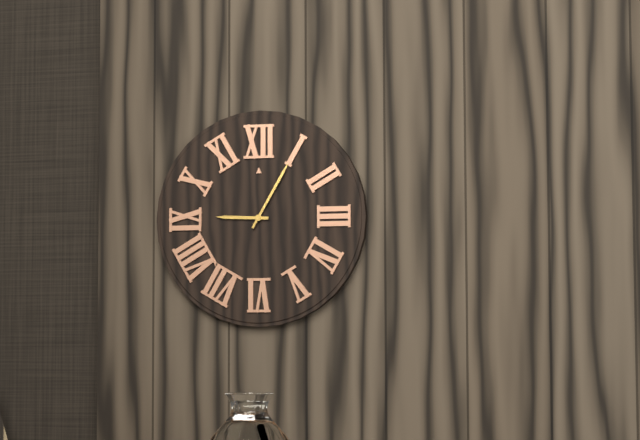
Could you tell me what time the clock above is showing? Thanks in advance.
9:05
